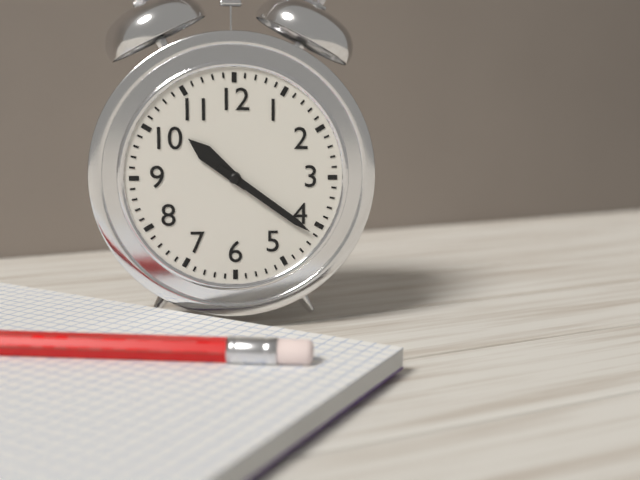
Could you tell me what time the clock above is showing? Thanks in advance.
10:21
